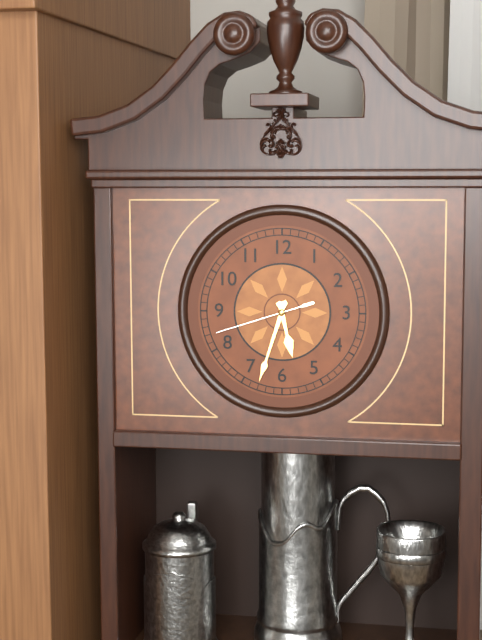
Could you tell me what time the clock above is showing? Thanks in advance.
5:33:42
